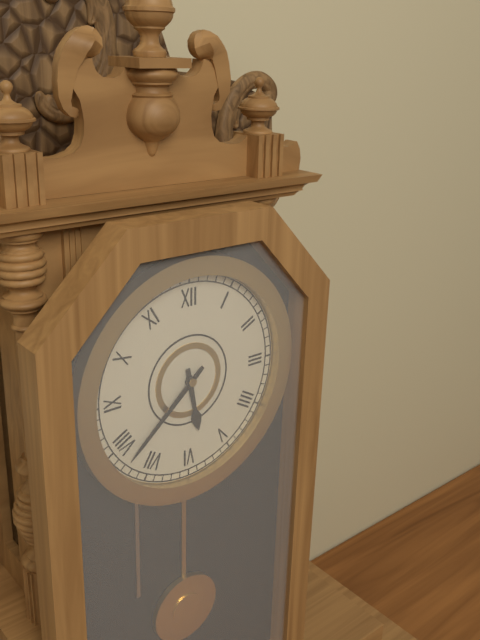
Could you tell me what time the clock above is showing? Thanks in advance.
5:38
